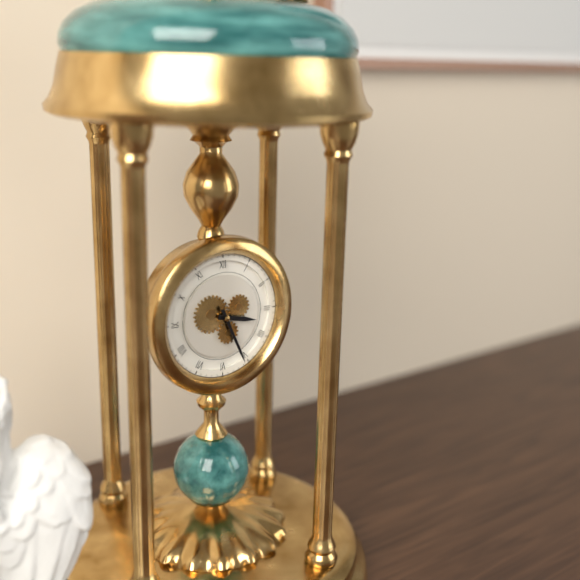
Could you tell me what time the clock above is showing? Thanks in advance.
3:26
